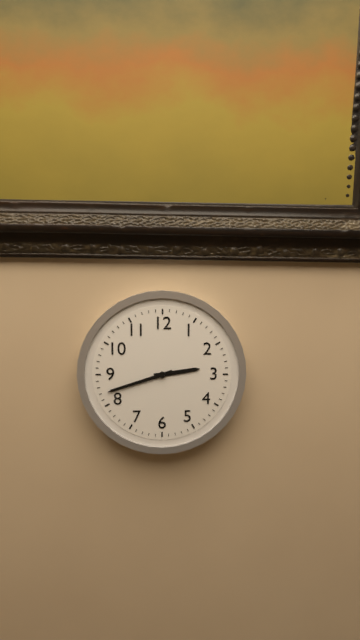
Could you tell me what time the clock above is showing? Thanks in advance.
2:42
